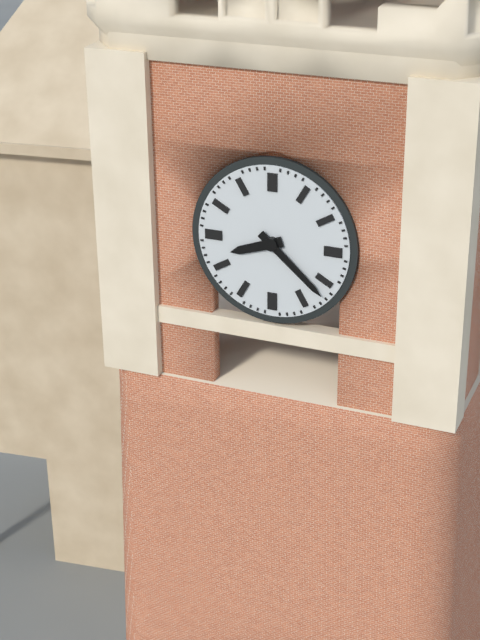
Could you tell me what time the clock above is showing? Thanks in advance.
8:22
